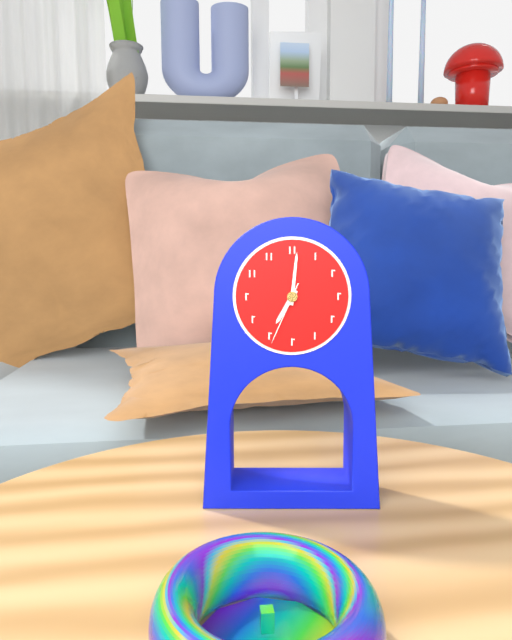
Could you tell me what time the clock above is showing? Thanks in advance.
7:01:34
